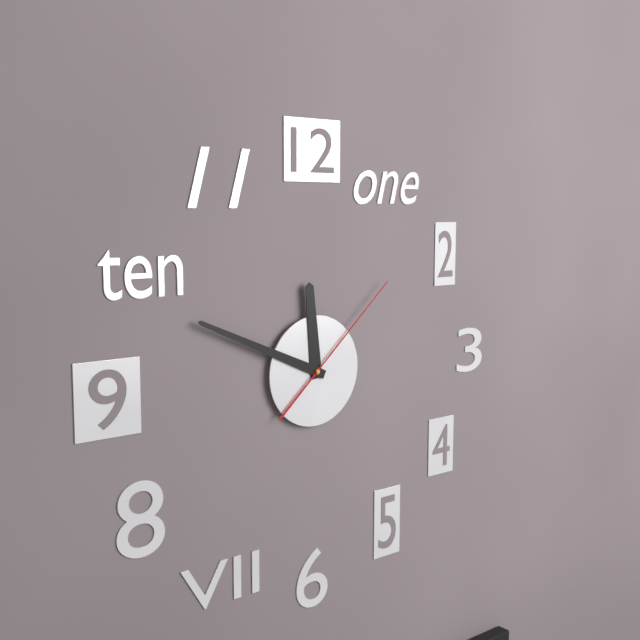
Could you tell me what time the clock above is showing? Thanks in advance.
11:49:08
